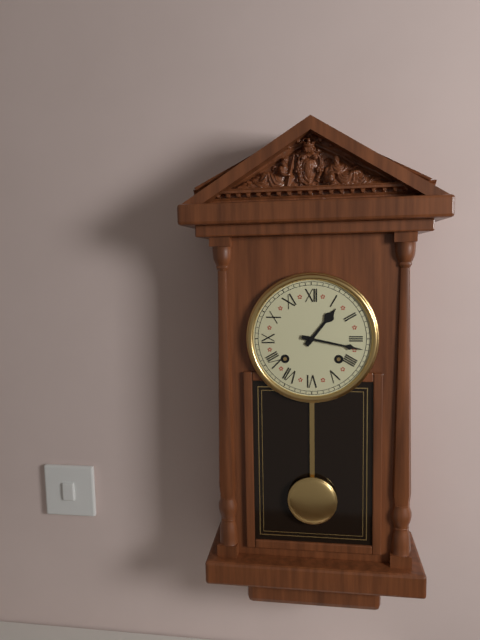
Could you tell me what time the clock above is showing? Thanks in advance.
1:17
